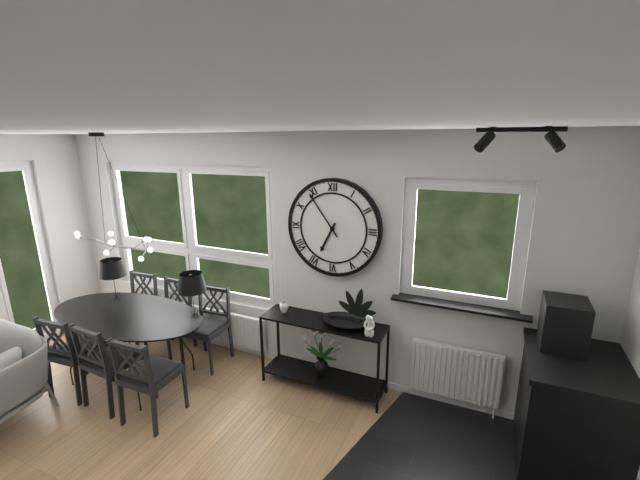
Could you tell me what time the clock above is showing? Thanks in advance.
6:54
